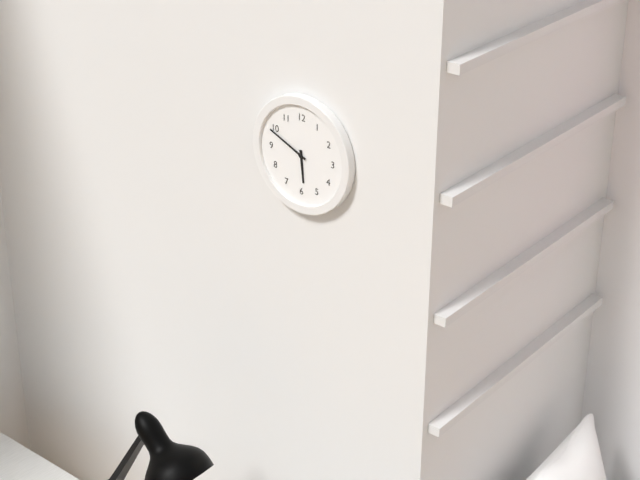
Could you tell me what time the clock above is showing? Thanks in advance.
5:49
